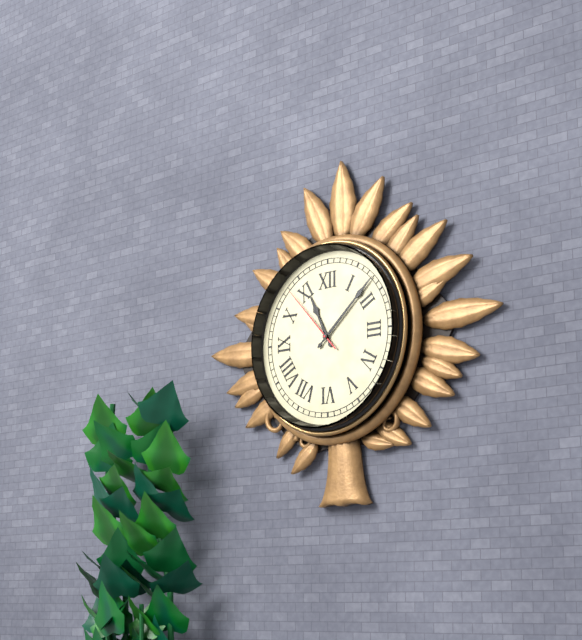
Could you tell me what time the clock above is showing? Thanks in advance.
11:08:53
